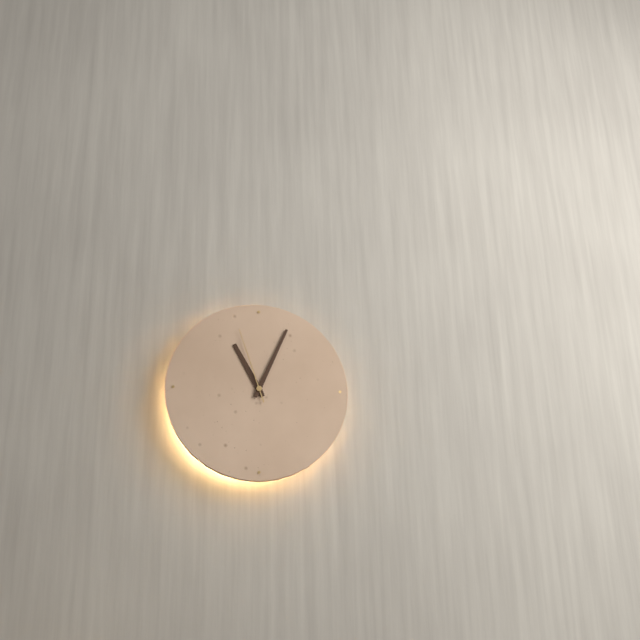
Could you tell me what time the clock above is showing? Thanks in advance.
11:04:57
